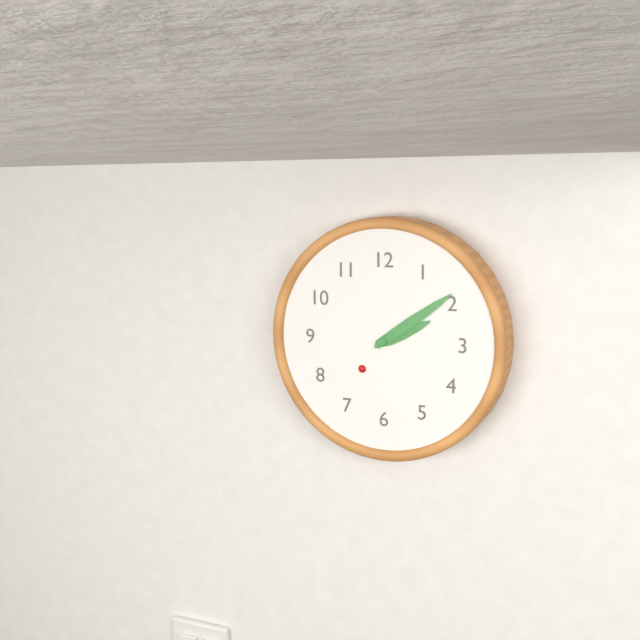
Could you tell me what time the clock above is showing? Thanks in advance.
2:09
